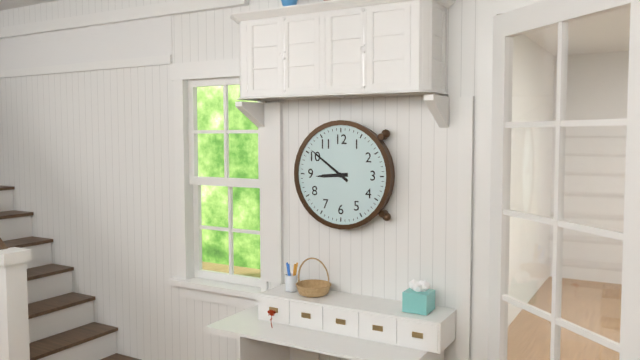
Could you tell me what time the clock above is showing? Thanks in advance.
8:51
